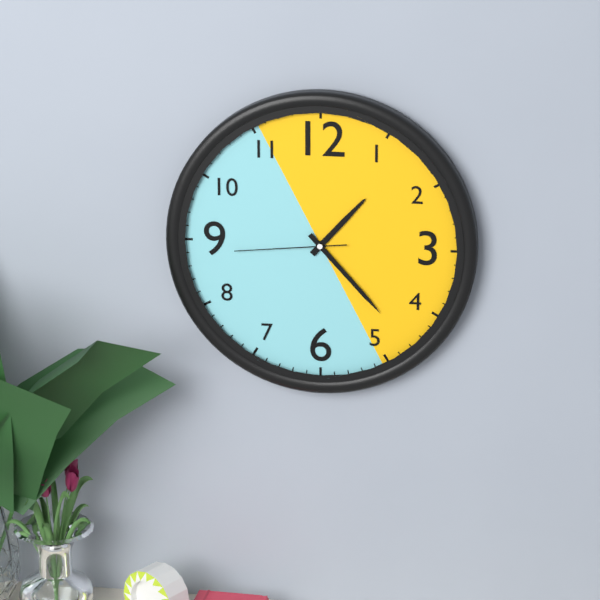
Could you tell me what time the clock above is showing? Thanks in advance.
1:23:44
